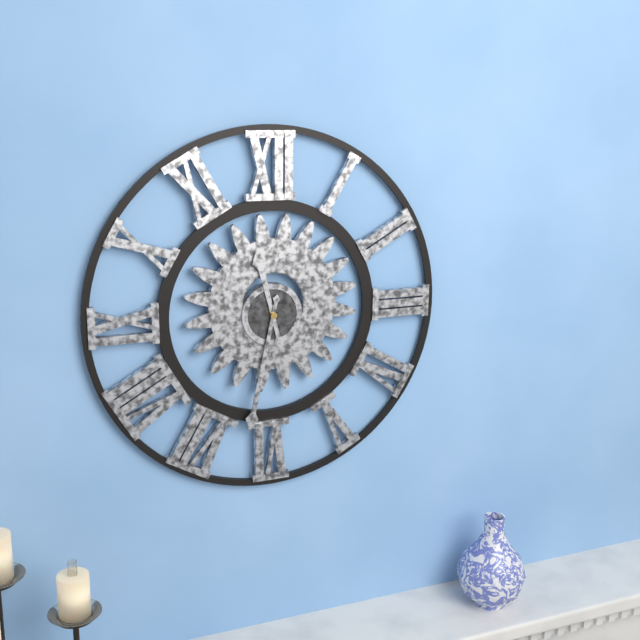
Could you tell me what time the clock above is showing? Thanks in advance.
11:32
